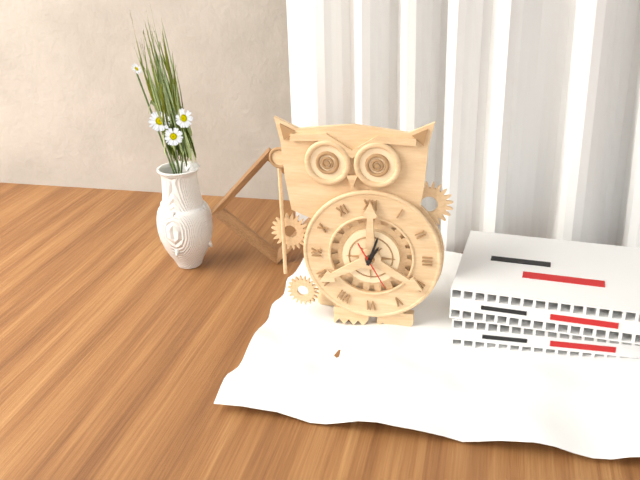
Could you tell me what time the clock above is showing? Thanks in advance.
1:03
